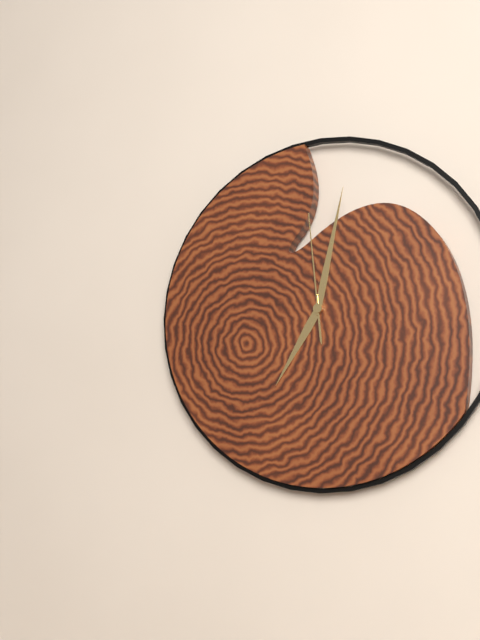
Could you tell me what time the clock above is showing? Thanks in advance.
7:02:59
